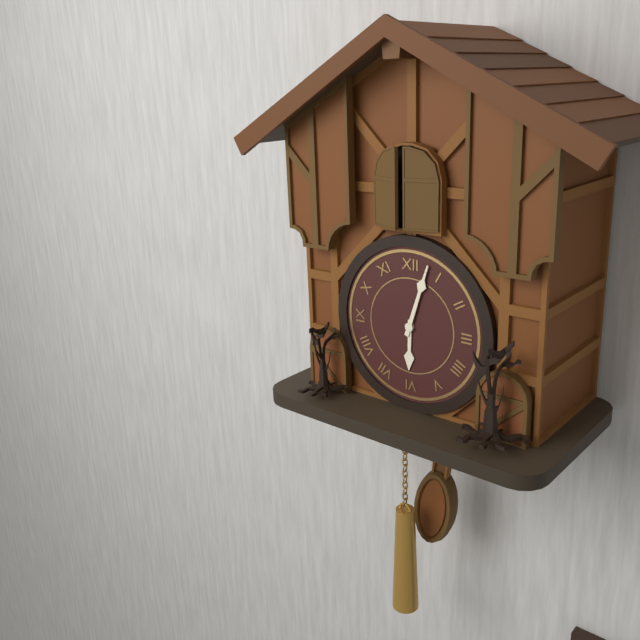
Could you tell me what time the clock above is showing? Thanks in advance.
6:03
